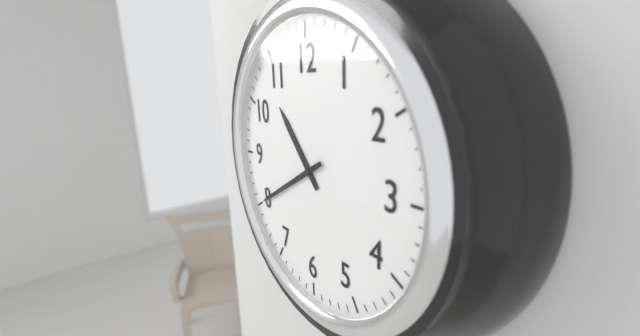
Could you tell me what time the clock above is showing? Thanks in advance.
10:40
